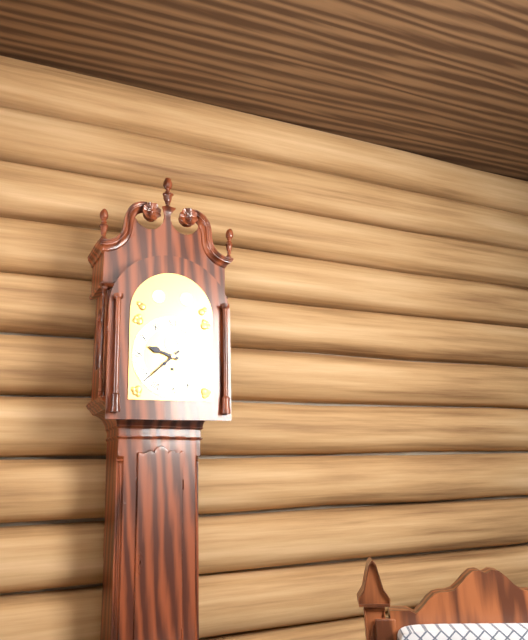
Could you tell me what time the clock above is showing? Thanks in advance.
9:38
